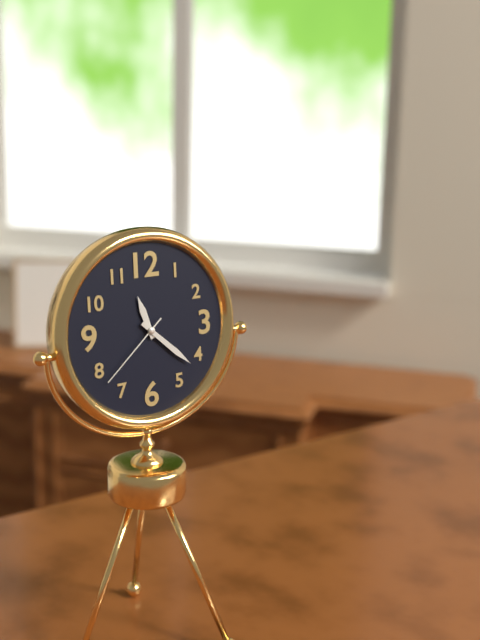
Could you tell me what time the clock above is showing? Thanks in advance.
11:22:38
